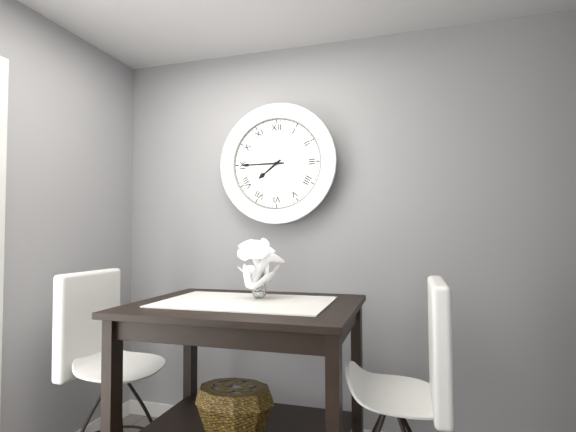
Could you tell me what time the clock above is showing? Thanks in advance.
7:45
